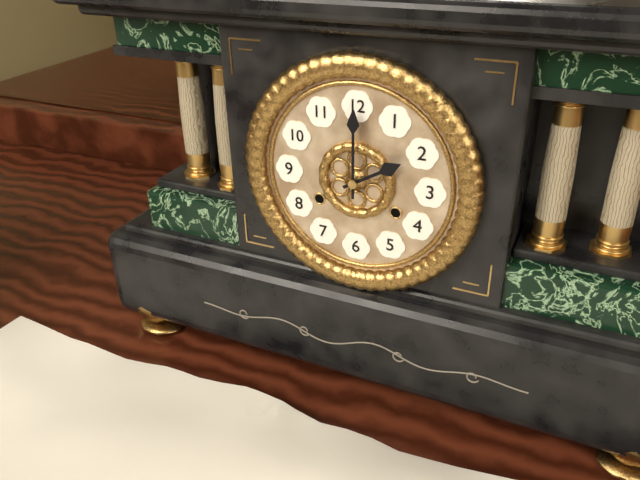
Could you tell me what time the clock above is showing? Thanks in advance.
2:00
